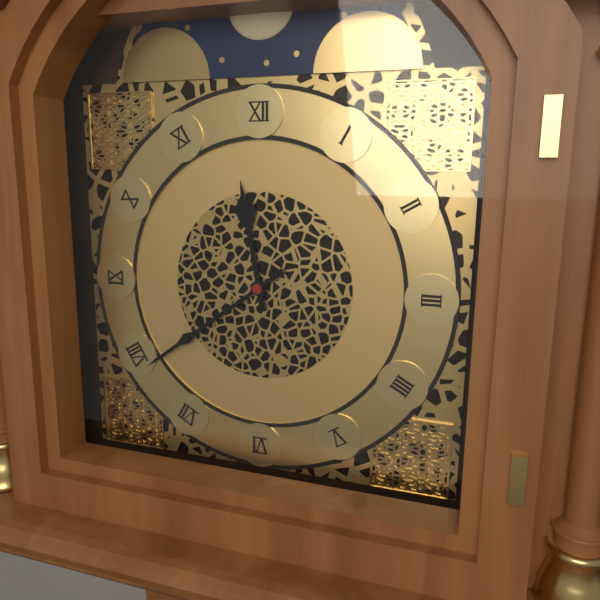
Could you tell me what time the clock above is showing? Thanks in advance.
11:39
